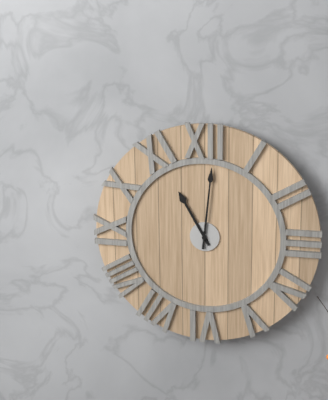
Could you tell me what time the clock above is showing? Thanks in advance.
11:01
